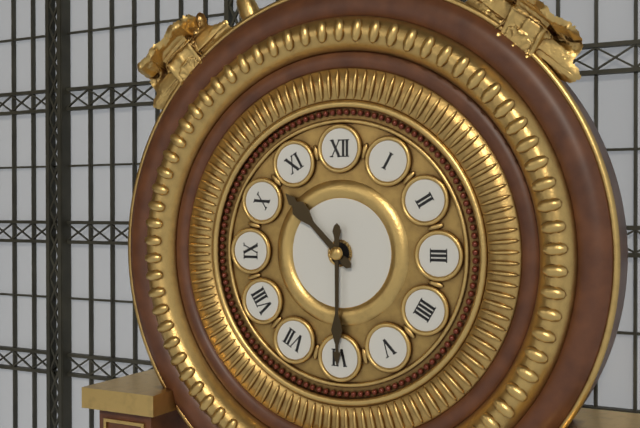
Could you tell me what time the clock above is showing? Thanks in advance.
10:30
